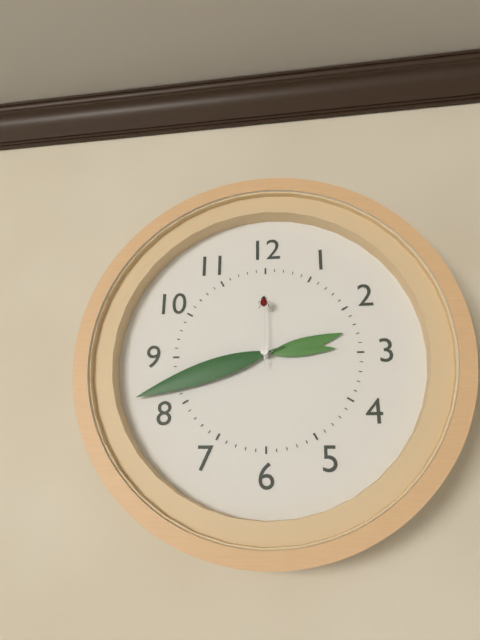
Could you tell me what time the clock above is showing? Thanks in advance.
2:42:00
